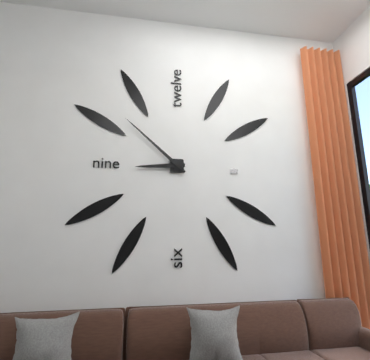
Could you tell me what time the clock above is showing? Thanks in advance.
8:52
